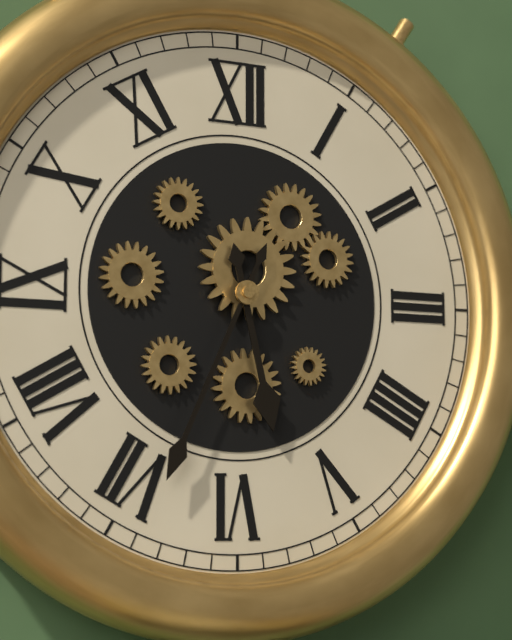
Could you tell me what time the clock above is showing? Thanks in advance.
5:34
